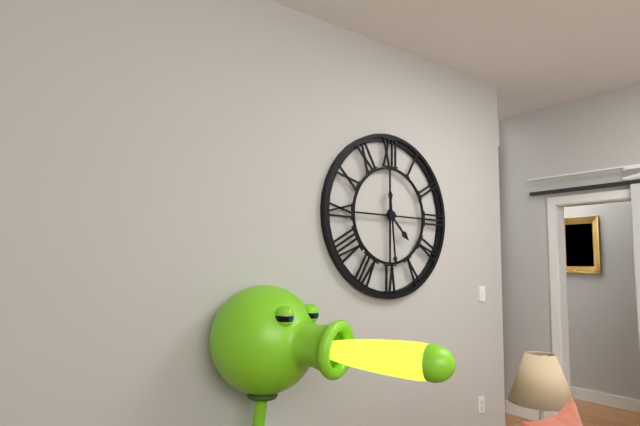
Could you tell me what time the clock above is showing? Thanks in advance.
4:29
